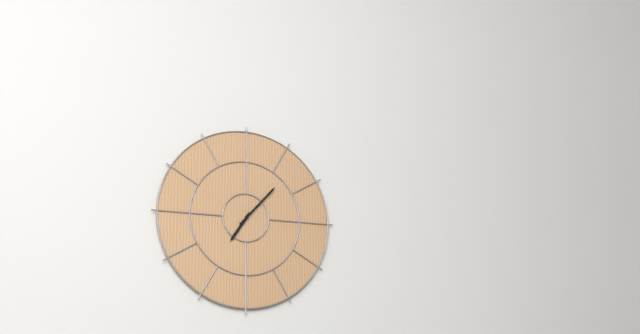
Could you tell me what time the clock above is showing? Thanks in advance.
7:07
